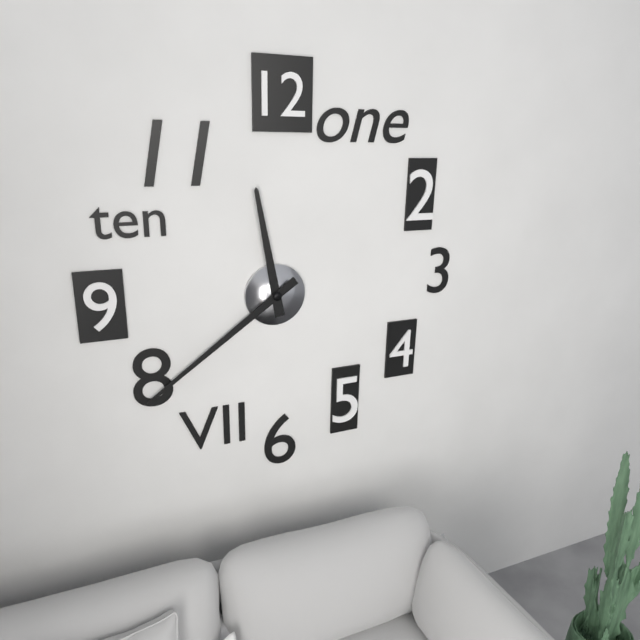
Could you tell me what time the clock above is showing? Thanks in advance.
11:39
